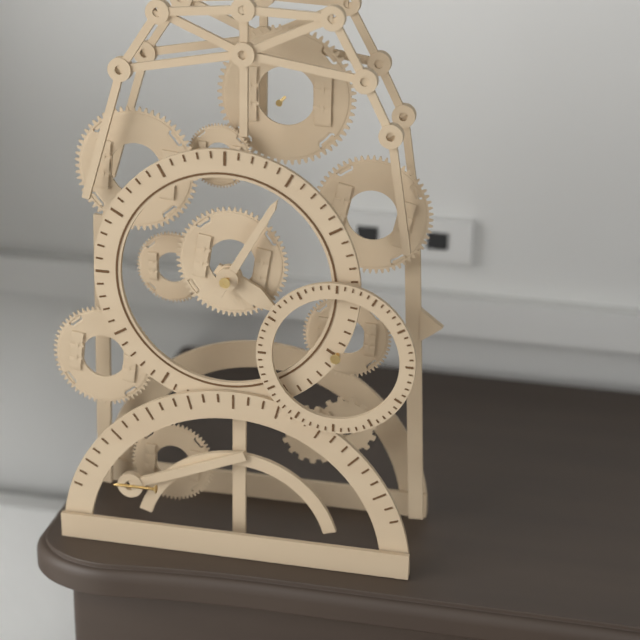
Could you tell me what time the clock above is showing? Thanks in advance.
4:05
